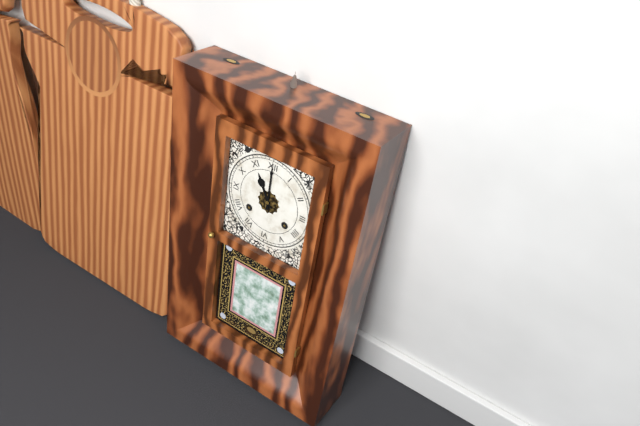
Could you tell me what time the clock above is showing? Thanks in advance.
11:00
